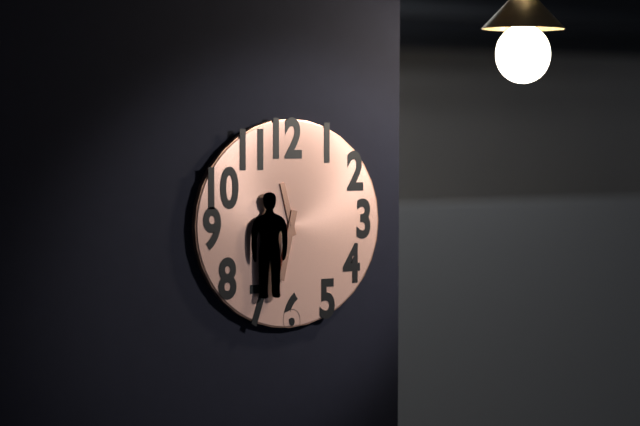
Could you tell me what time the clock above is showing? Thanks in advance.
11:32
